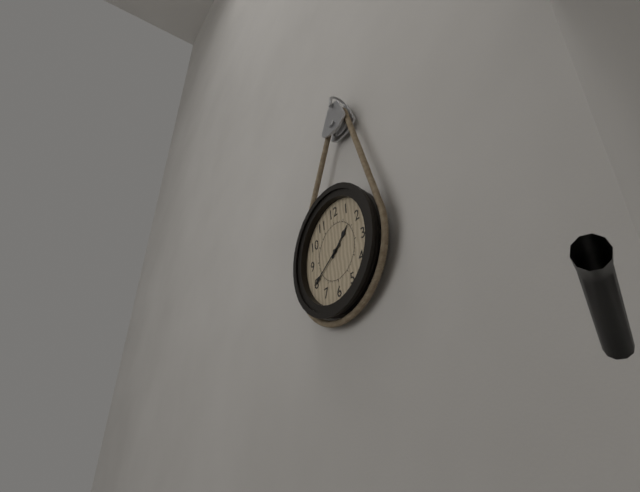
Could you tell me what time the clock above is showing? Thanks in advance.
1:40
